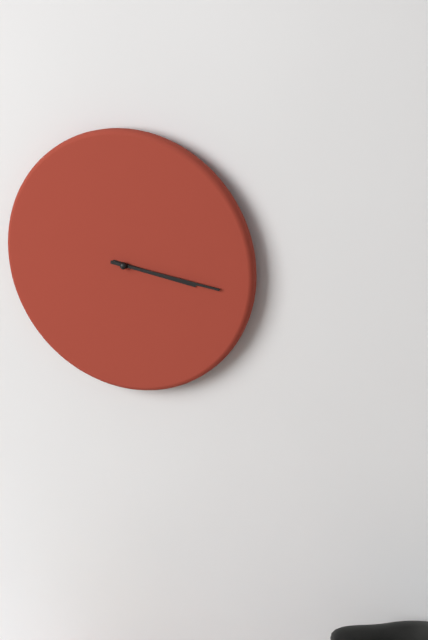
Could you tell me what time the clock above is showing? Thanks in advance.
3:16
